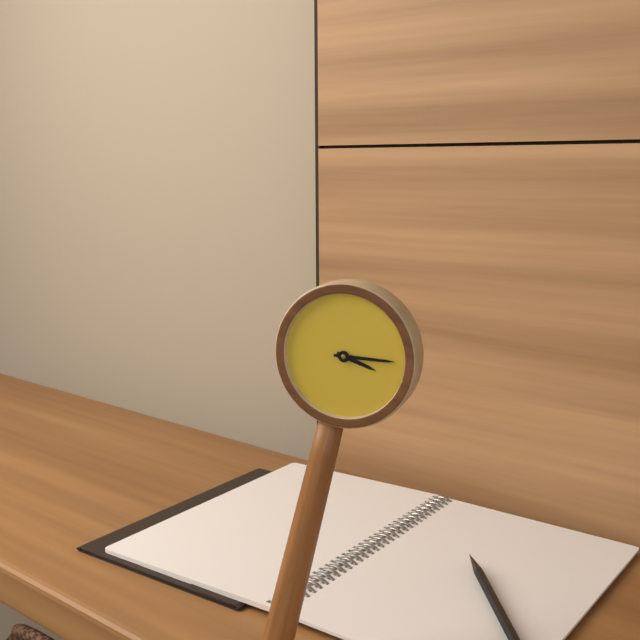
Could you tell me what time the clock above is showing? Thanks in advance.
3:13
